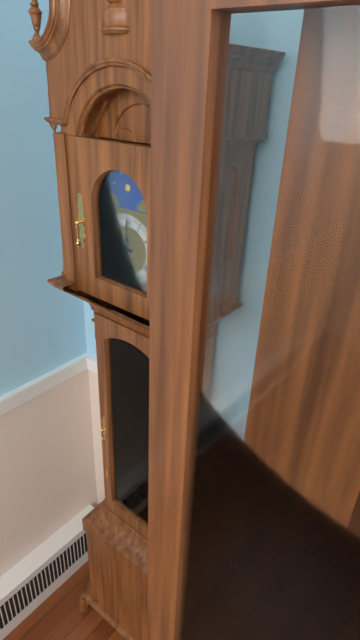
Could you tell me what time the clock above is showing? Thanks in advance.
9:00
